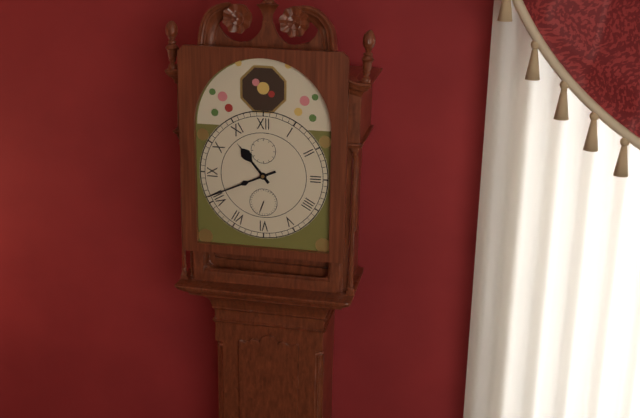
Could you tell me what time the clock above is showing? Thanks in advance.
10:41
